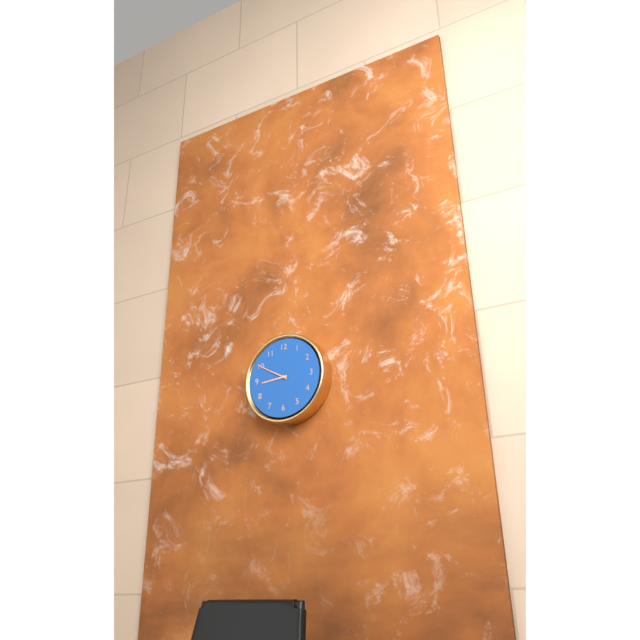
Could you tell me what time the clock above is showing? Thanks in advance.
8:50
